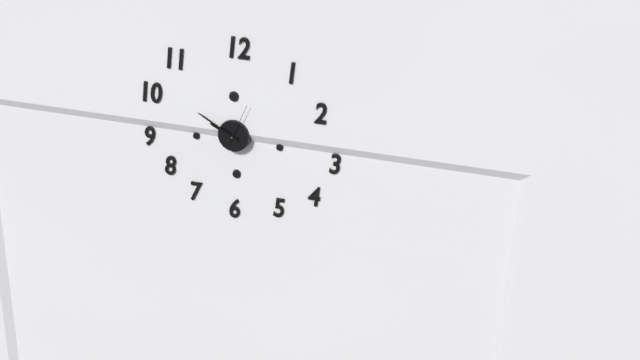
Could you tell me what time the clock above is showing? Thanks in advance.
9:50
